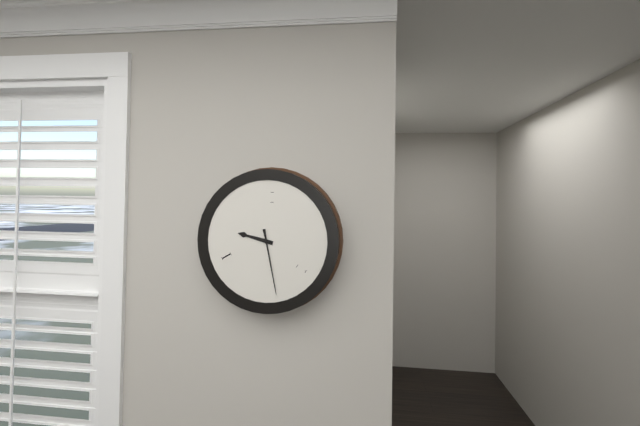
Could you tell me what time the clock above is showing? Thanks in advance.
9:28
